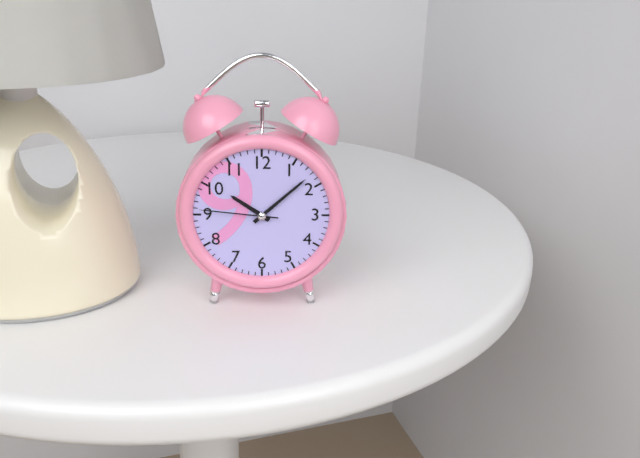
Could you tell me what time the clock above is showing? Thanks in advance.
10:08:46
